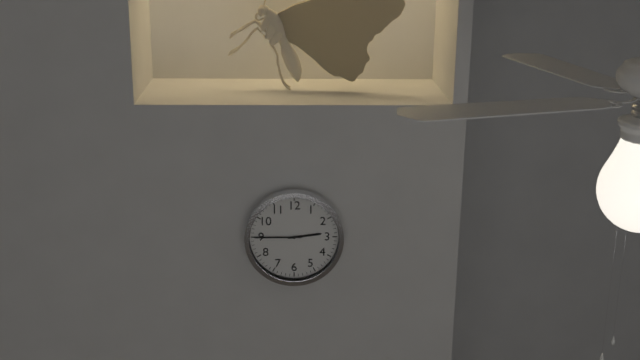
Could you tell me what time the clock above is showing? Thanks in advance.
2:45
